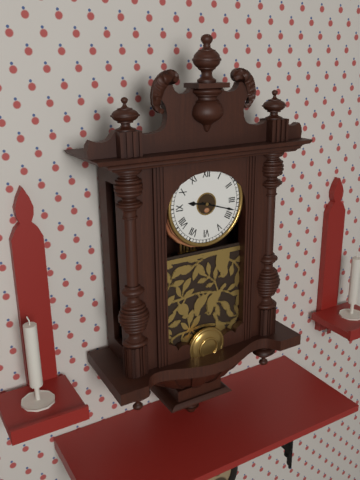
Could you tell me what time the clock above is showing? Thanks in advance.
9:18
